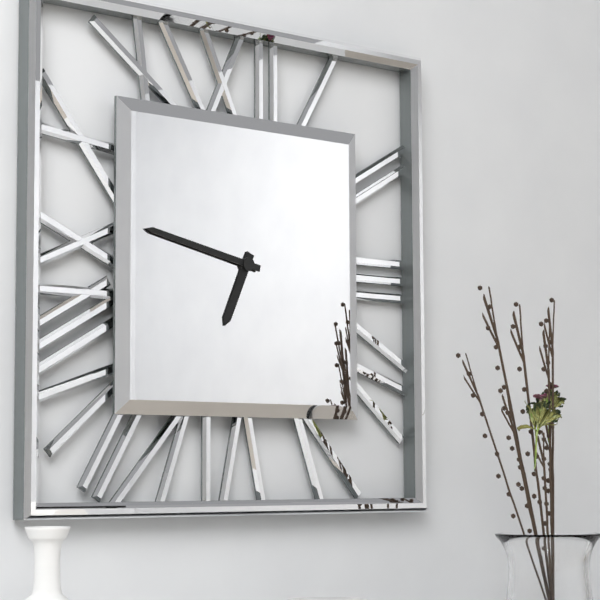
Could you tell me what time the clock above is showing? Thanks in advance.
6:47
